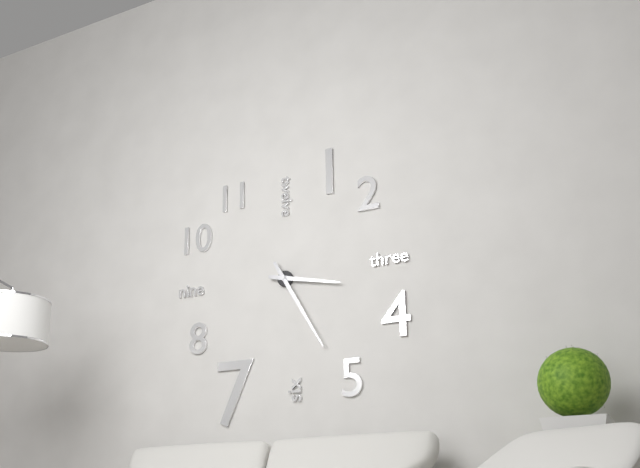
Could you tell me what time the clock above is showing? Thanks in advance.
3:25
